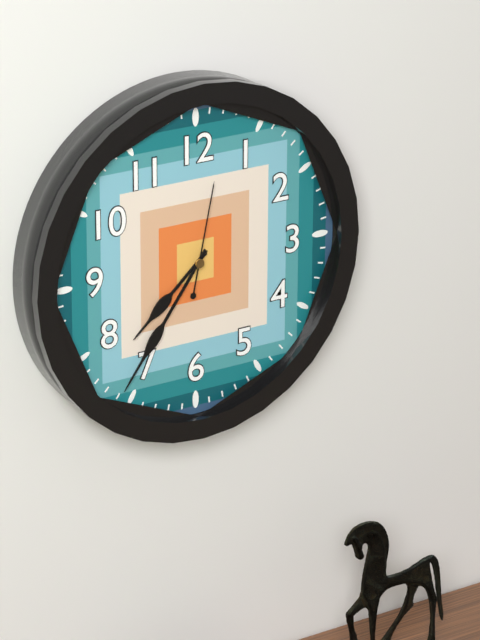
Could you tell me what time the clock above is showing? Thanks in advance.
7:36:02
